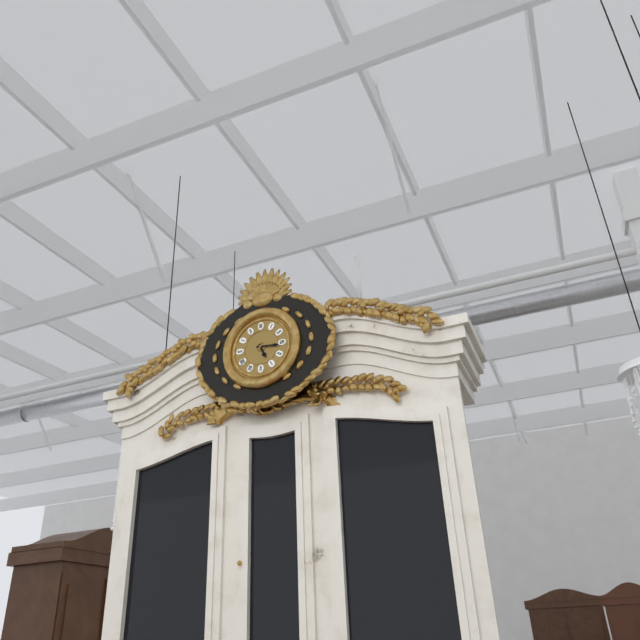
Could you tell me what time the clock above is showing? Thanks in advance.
5:16
